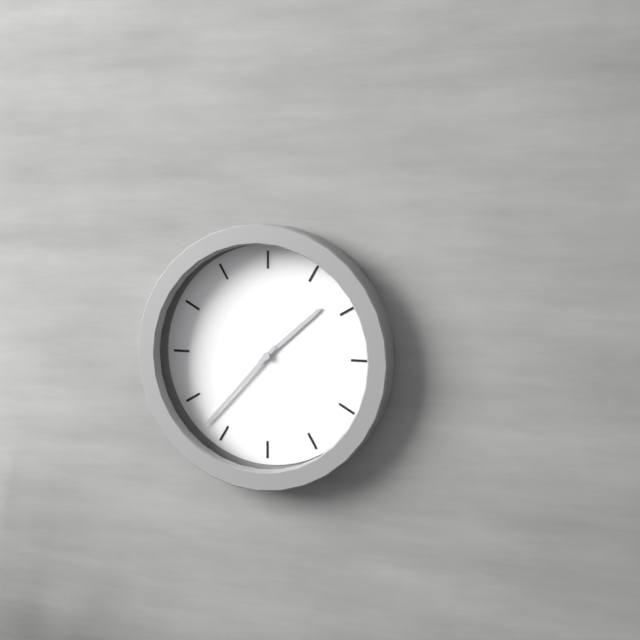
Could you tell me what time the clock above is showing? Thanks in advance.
1:37
